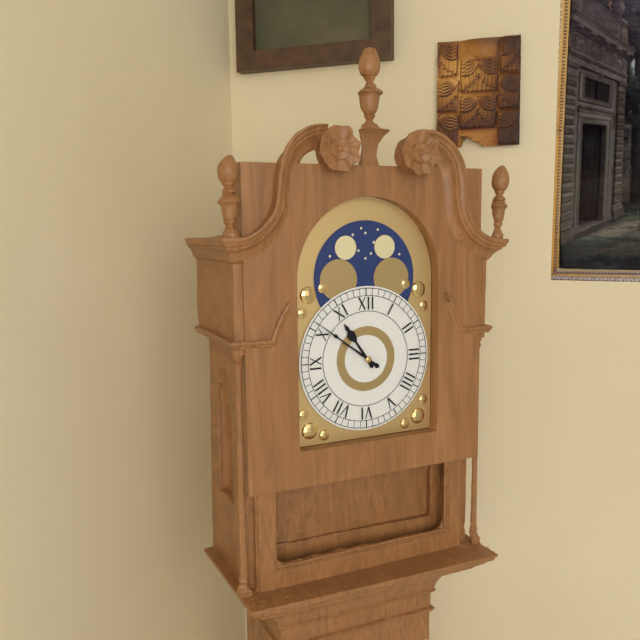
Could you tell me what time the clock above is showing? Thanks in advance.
10:51
